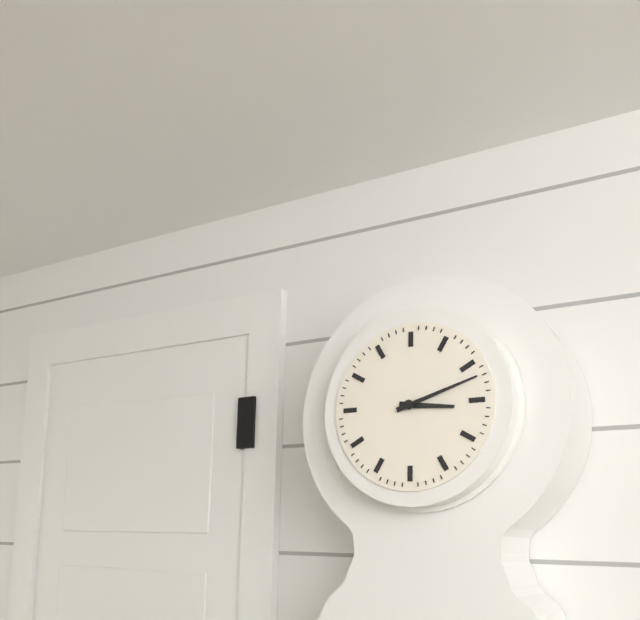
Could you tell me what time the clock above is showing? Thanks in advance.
3:12
